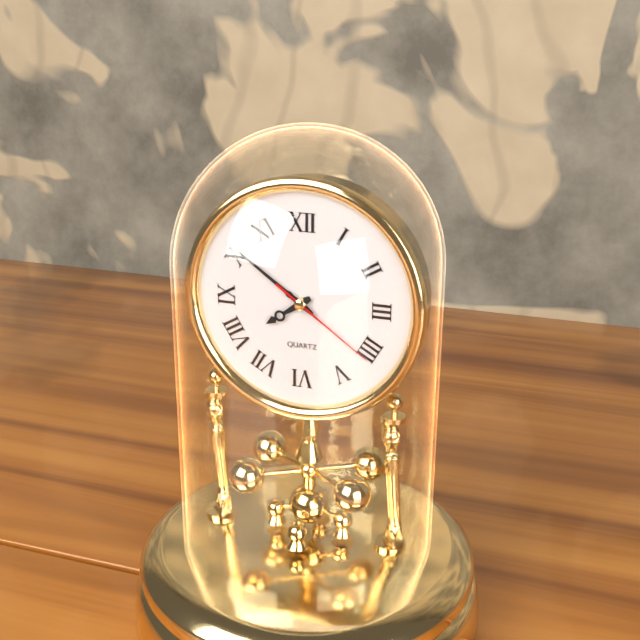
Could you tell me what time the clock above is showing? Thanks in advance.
7:51:21
